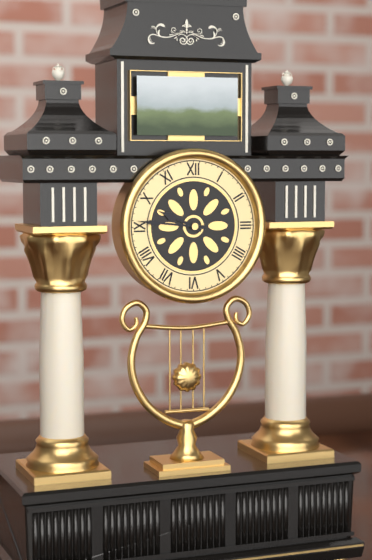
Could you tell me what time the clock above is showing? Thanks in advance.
9:46
